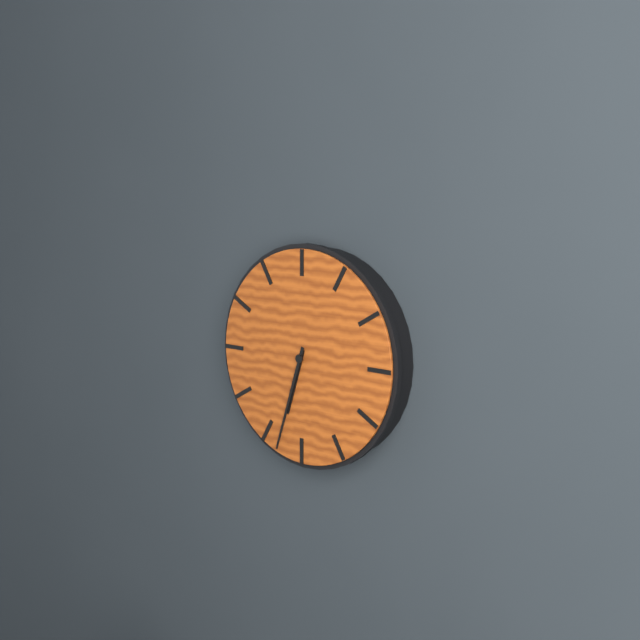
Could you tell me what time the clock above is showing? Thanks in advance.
6:33
